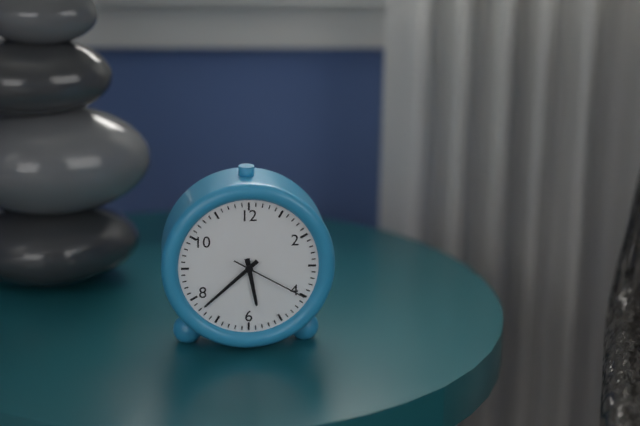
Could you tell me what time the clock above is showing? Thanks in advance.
5:38:20
